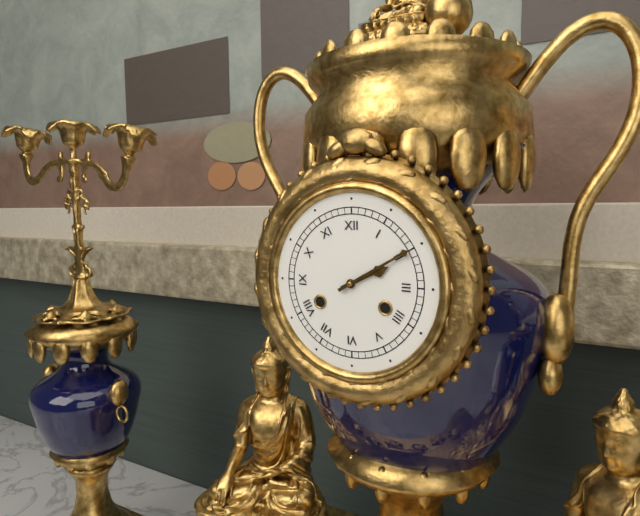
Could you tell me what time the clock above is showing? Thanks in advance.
2:10
